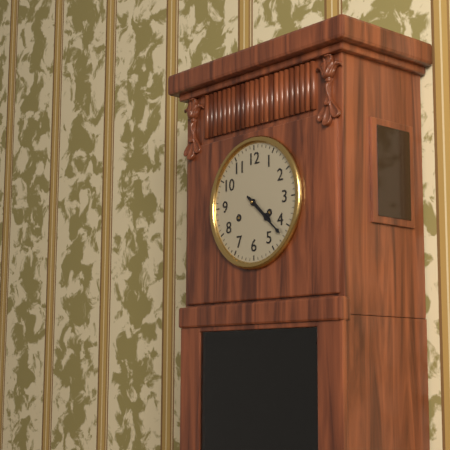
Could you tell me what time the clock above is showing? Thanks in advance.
4:22
